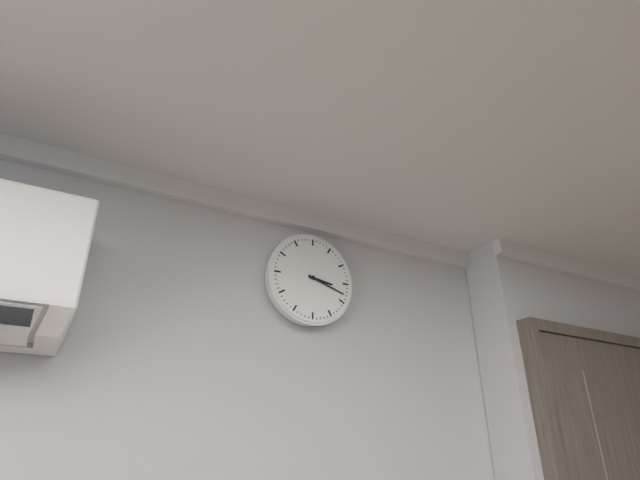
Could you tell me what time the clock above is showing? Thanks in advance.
3:18
